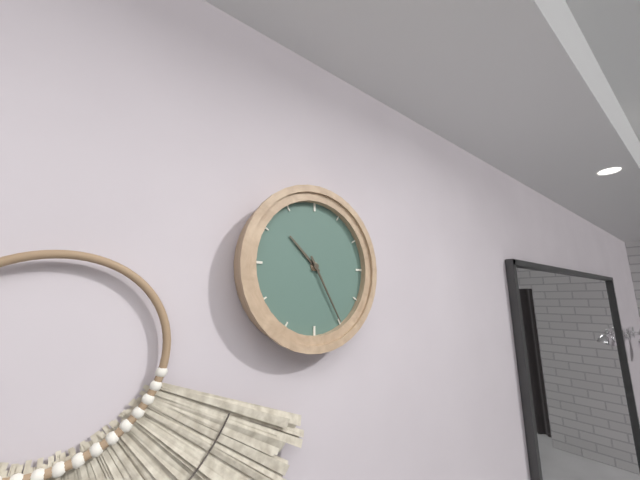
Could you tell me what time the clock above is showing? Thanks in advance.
10:25
